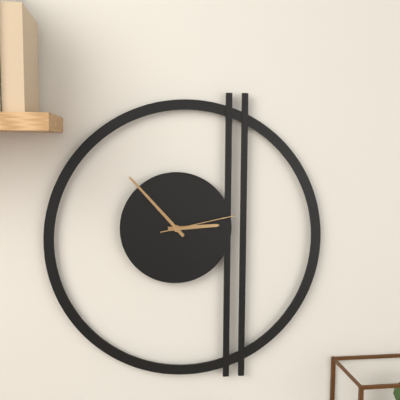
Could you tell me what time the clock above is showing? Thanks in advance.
2:53:13
